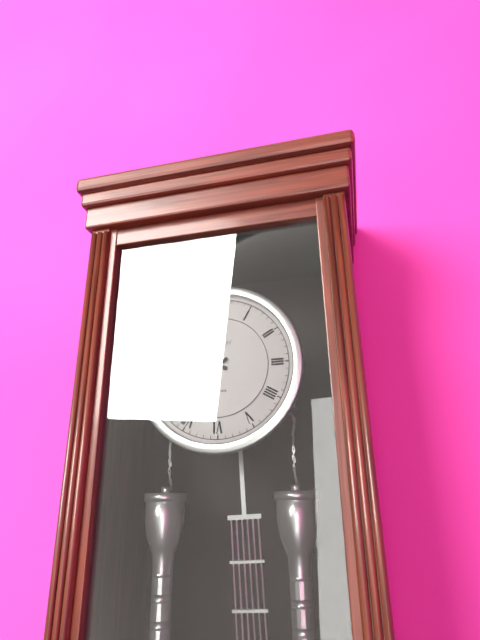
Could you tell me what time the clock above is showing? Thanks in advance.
9:39
